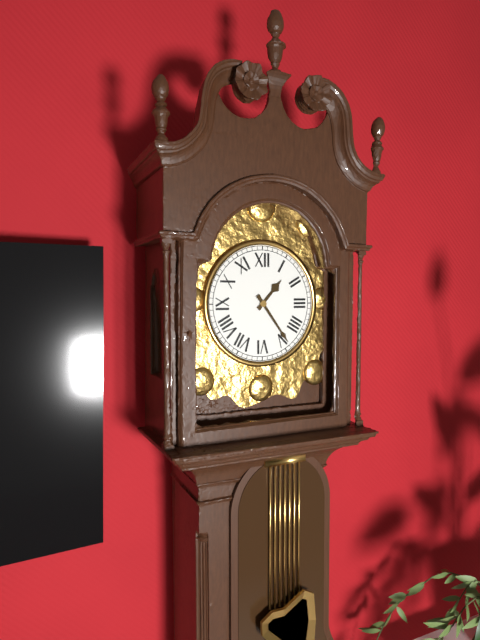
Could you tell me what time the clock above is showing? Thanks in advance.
1:24
